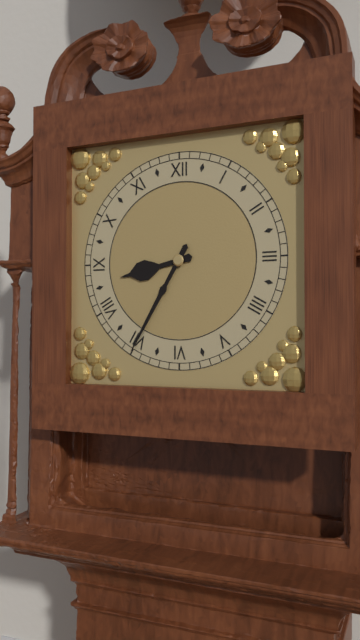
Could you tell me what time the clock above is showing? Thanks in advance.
8:35
